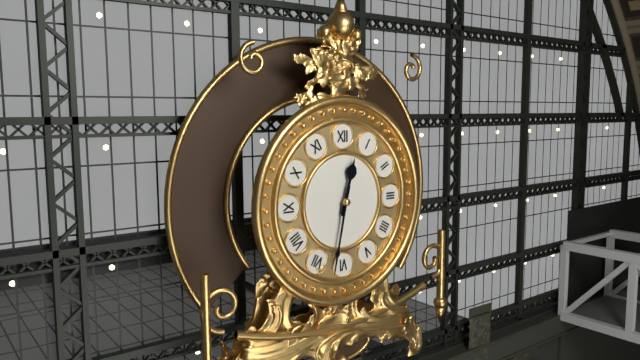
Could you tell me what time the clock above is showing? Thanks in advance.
12:32
